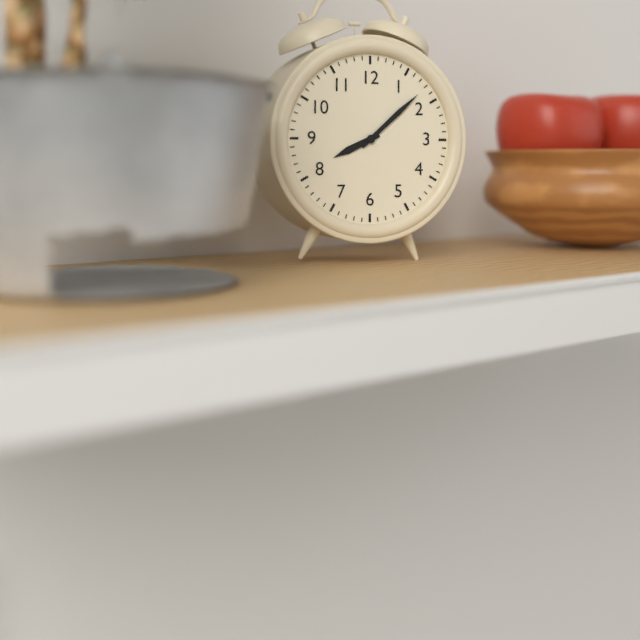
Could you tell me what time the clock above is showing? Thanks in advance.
8:08
